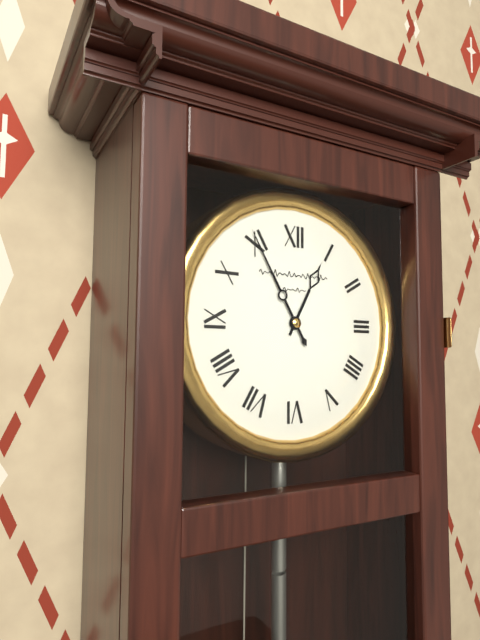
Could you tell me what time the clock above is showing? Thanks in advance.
12:55
